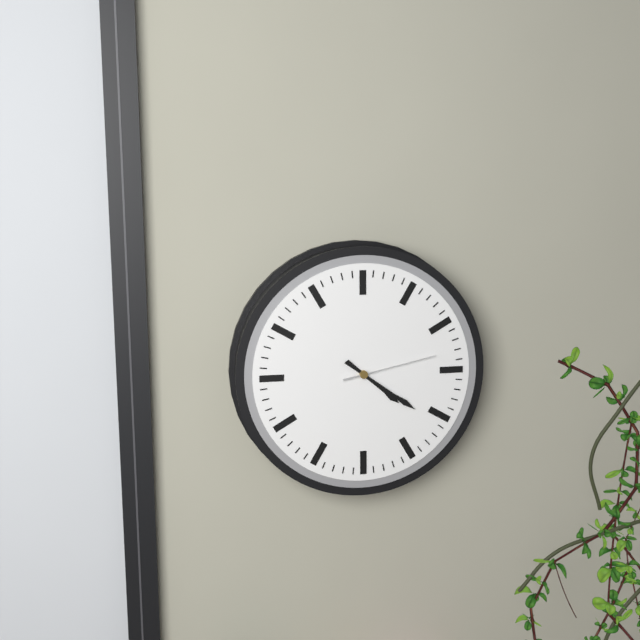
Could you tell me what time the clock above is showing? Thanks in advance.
4:21:13
